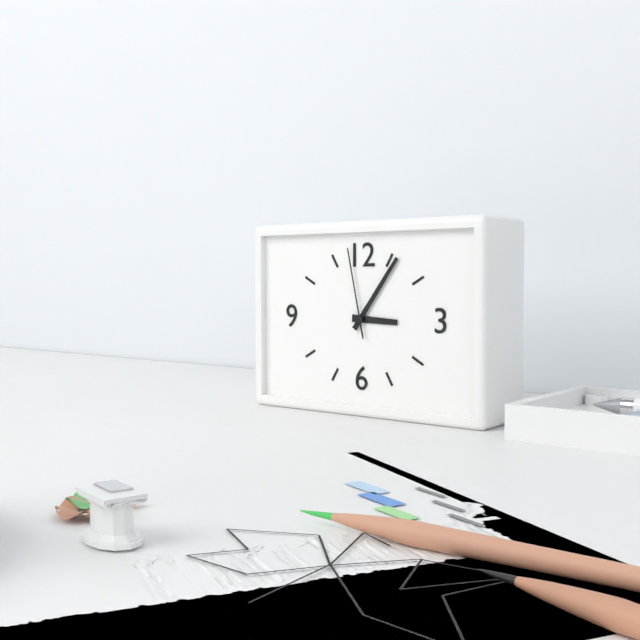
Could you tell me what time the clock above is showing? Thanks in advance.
3:06:58
